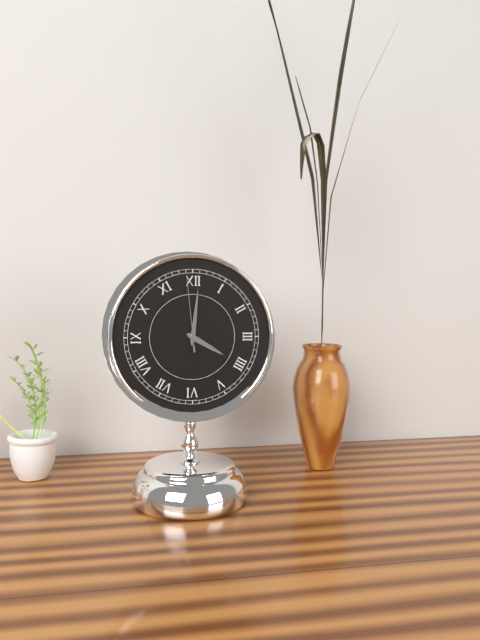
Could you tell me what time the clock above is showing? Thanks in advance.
4:01:59
